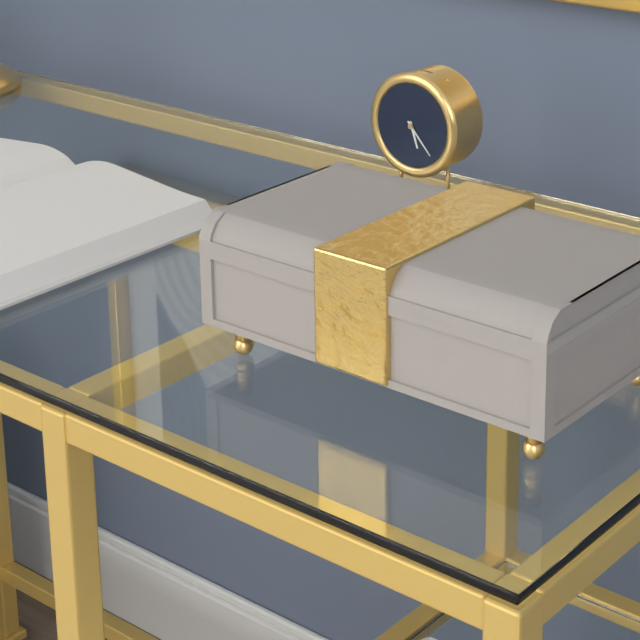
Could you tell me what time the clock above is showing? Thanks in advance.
5:23
